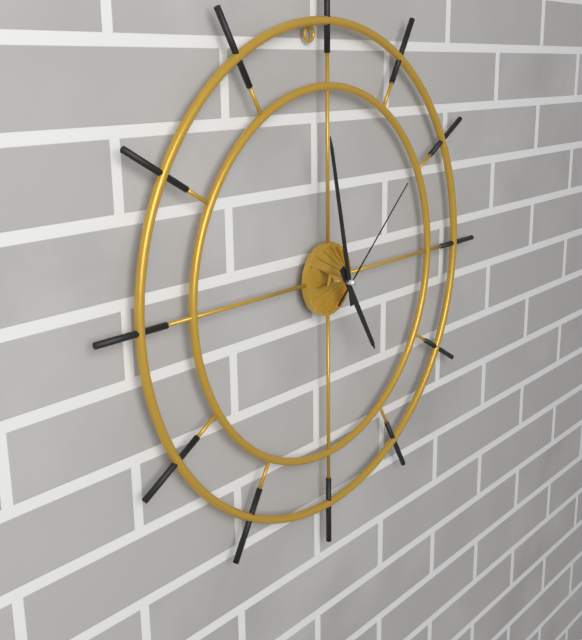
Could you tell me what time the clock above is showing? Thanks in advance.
4:58:08
